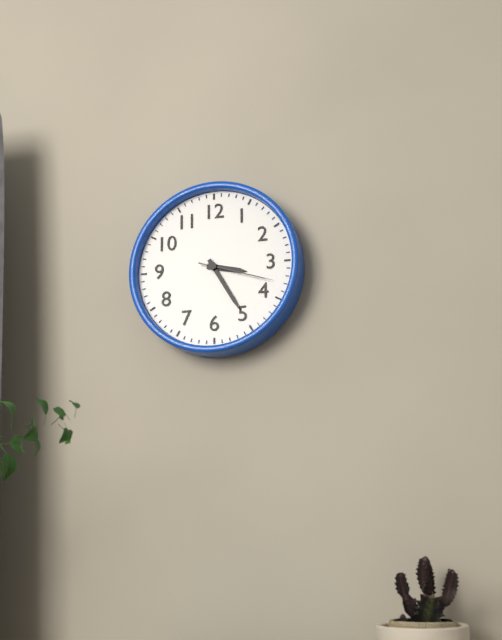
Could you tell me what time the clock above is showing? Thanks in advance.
3:25:18
